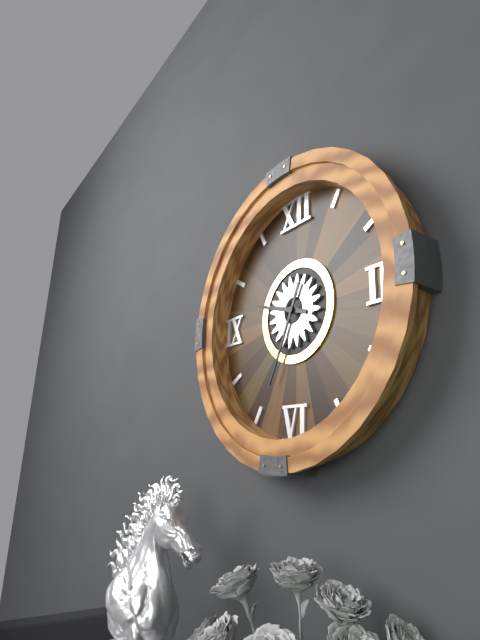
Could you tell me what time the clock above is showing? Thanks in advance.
9:34
